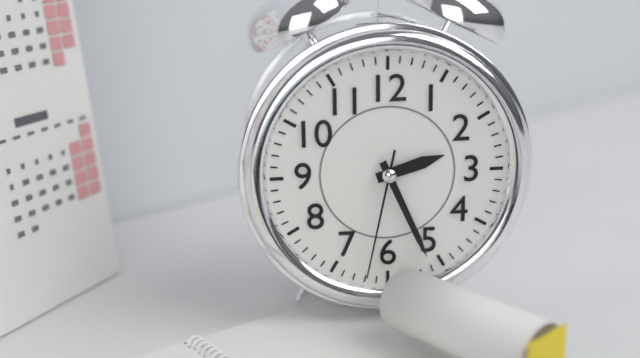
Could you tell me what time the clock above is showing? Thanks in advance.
2:26:32
